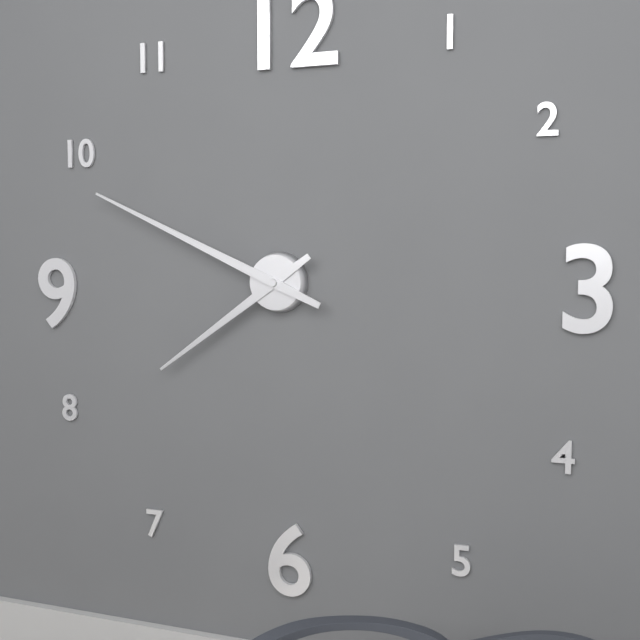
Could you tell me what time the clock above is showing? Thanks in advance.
7:49
